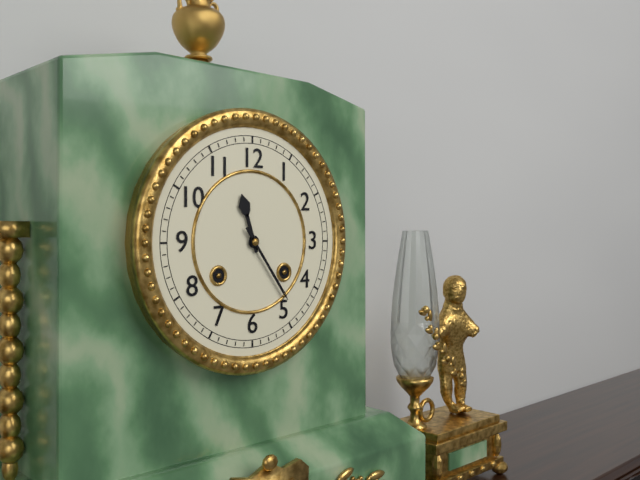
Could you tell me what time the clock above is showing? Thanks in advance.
11:24
